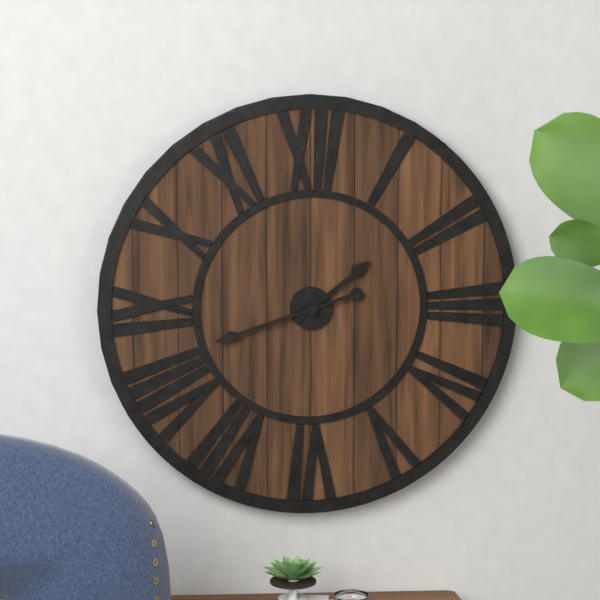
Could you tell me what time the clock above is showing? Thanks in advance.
1:42
